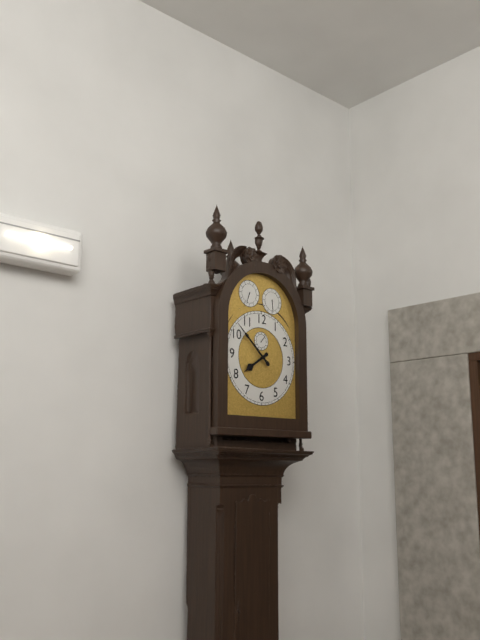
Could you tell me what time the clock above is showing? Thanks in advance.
7:52
